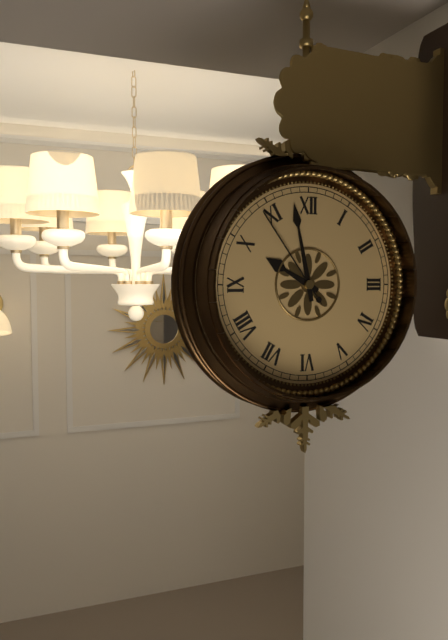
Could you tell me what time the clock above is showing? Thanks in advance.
9:58:54
